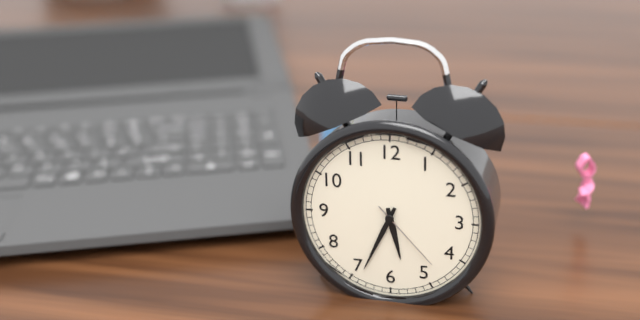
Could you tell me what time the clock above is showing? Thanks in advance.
5:34:23
